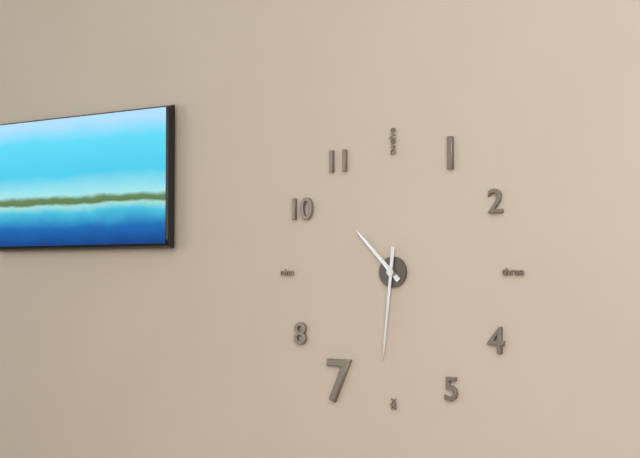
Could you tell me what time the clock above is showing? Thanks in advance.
10:31
